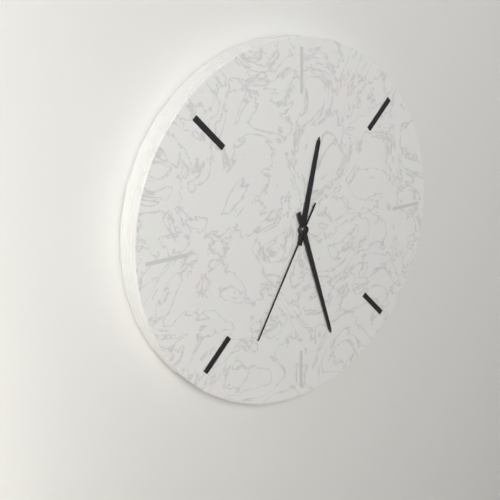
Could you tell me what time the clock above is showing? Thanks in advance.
12:27:35
